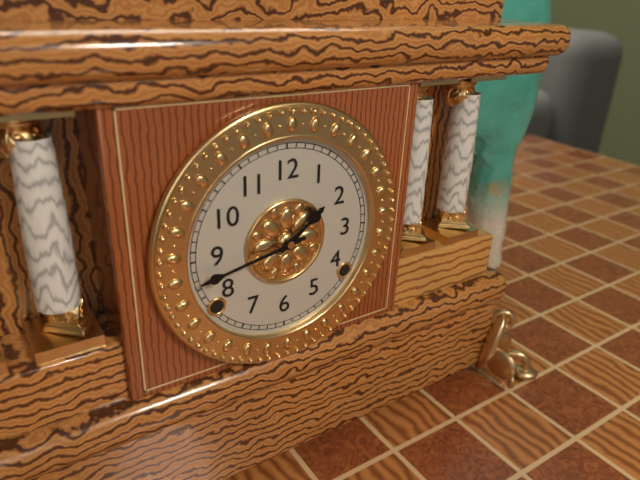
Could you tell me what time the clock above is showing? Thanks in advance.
1:43
